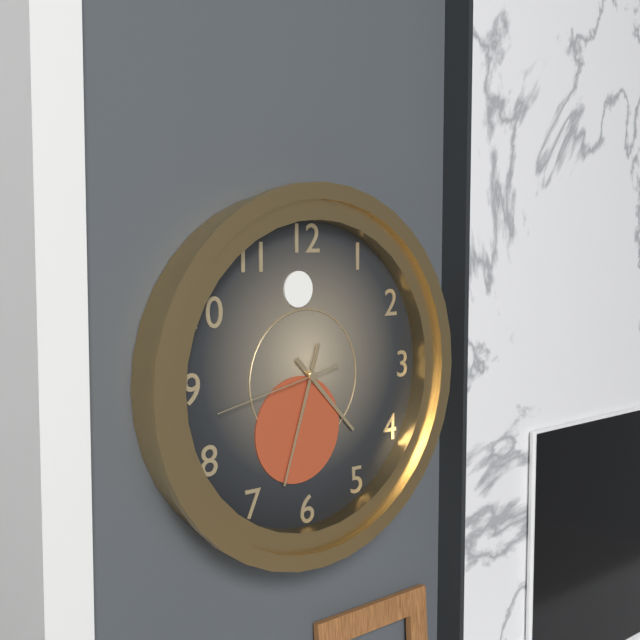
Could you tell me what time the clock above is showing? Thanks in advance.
4:33:43
